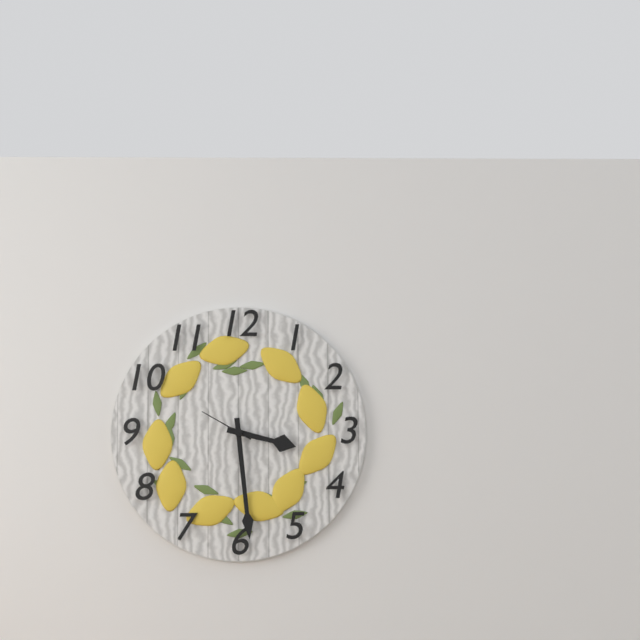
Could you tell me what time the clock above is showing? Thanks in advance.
3:29:50
